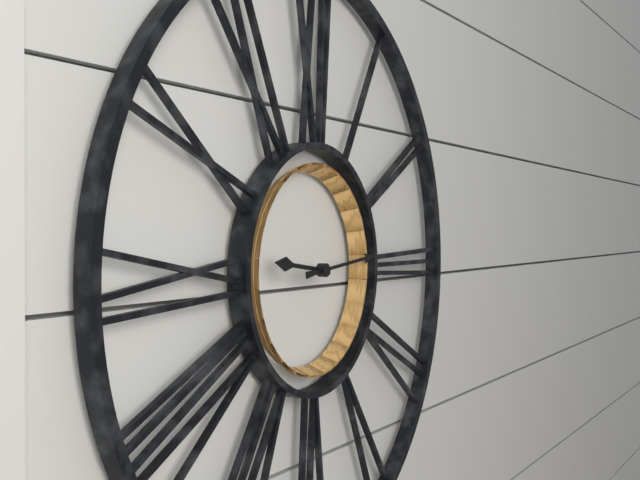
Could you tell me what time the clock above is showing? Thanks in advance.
9:14
